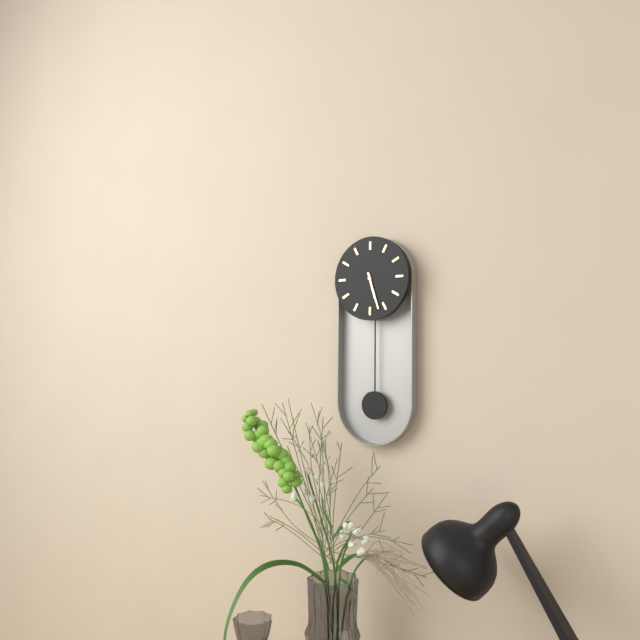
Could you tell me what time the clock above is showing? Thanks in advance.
5:27
